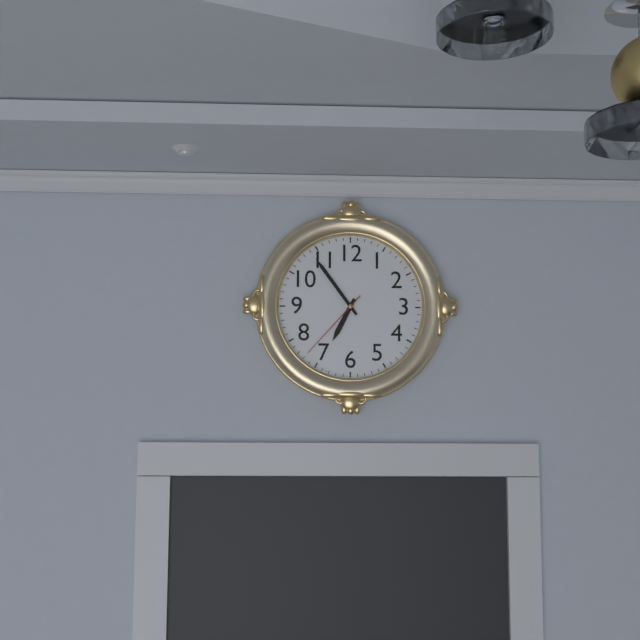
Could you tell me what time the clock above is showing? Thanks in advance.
6:54:37
